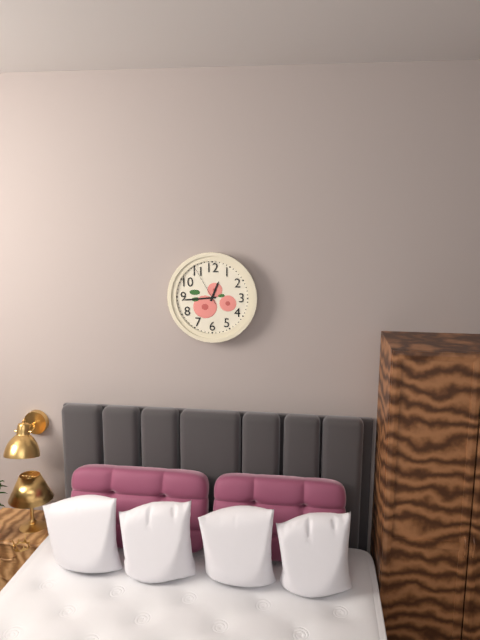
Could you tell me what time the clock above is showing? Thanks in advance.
12:44
